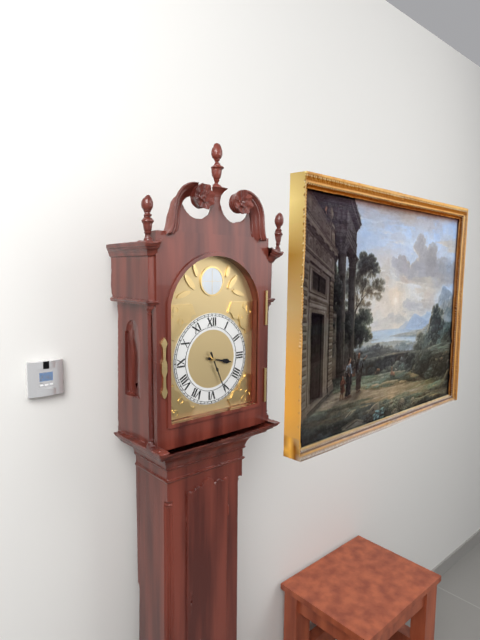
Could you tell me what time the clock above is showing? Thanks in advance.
3:26
